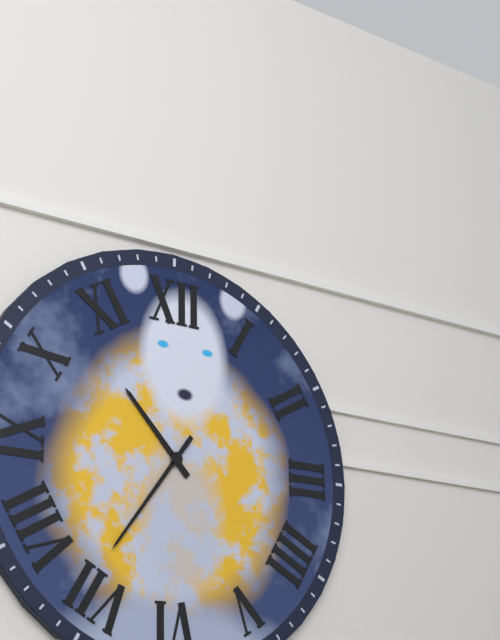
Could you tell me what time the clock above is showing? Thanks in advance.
10:36
